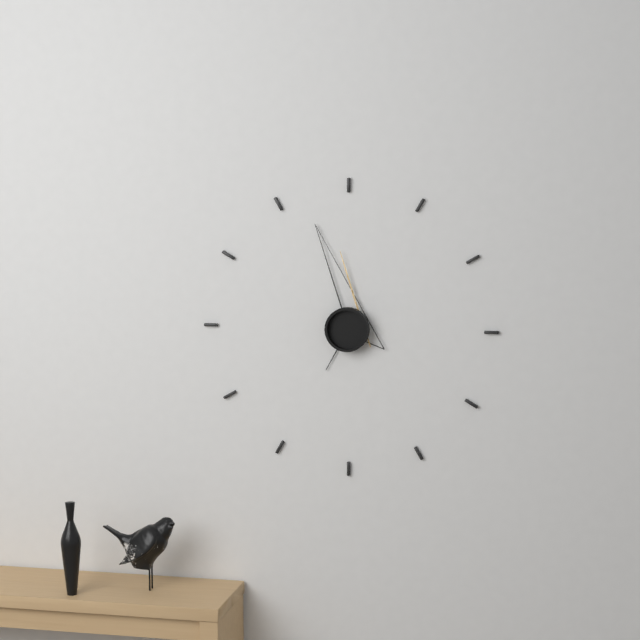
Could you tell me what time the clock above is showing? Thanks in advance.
6:57:59
